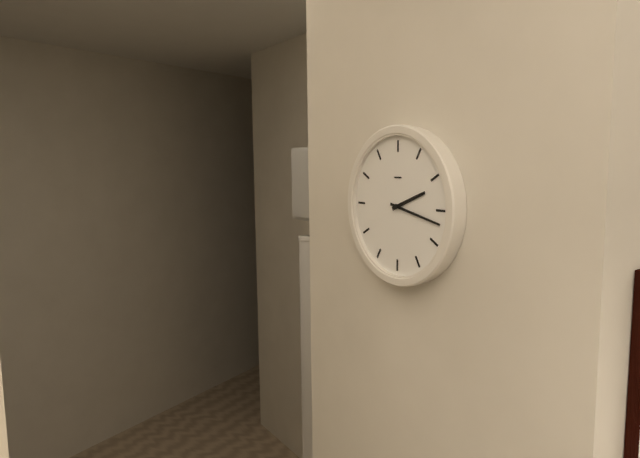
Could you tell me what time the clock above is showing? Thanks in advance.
2:17
